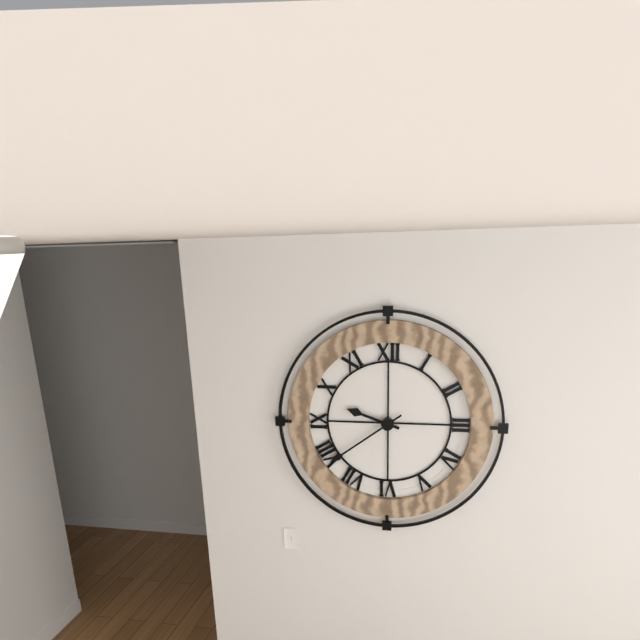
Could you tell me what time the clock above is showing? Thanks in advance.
9:39
